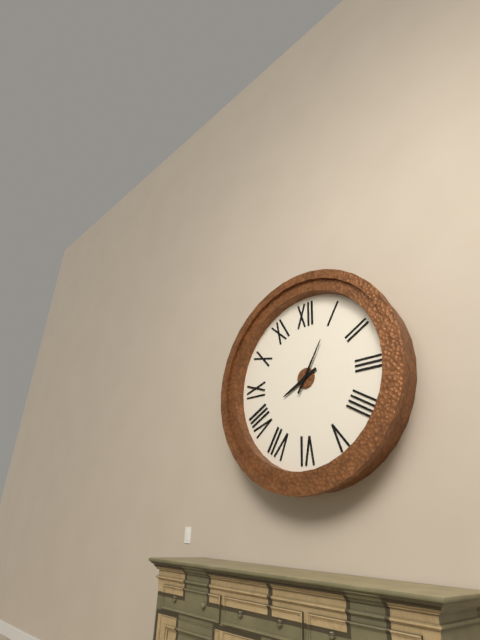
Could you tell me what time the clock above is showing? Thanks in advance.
8:05
